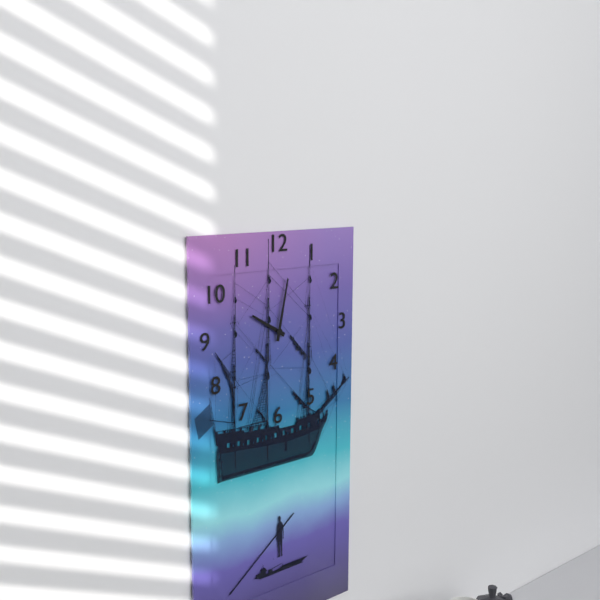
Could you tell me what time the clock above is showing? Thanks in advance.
10:02
